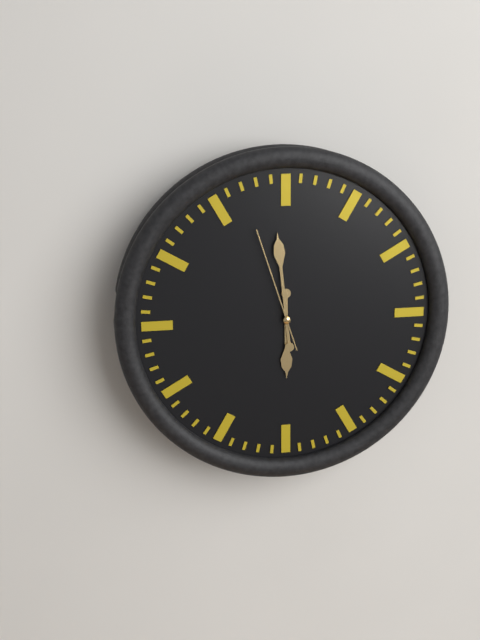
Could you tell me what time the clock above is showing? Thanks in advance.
5:59:57
